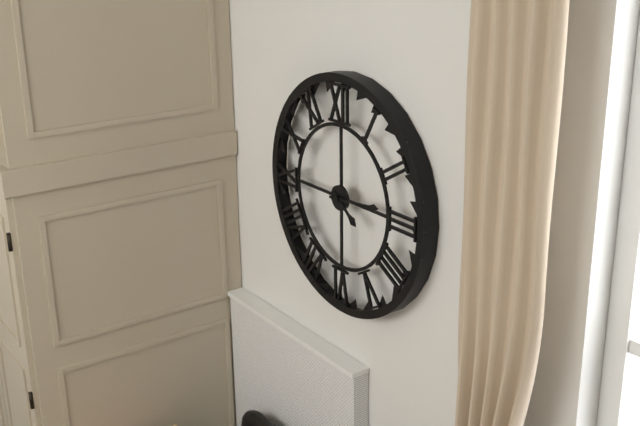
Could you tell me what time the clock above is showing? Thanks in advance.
4:14
